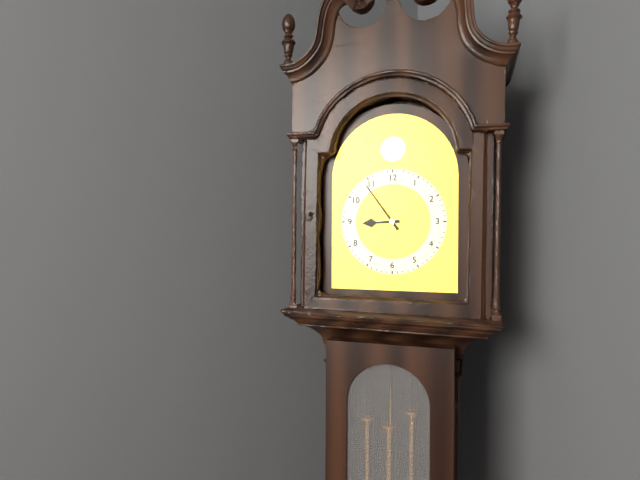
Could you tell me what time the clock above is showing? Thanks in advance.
8:54
